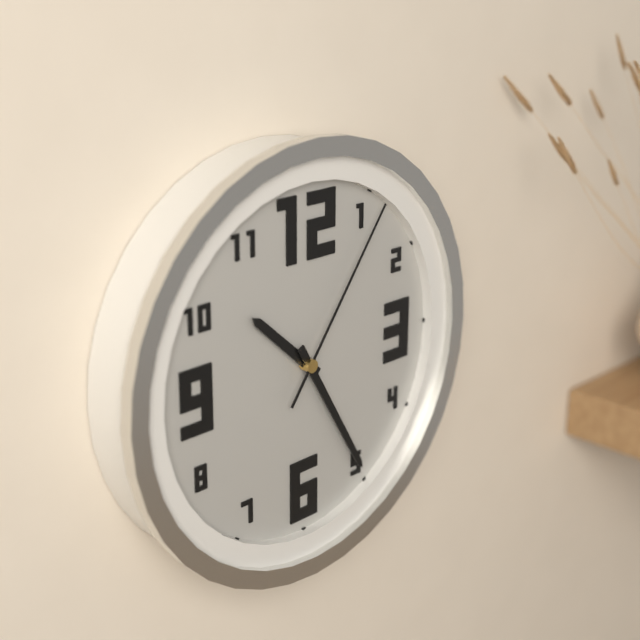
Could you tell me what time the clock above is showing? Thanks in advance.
10:25:06
